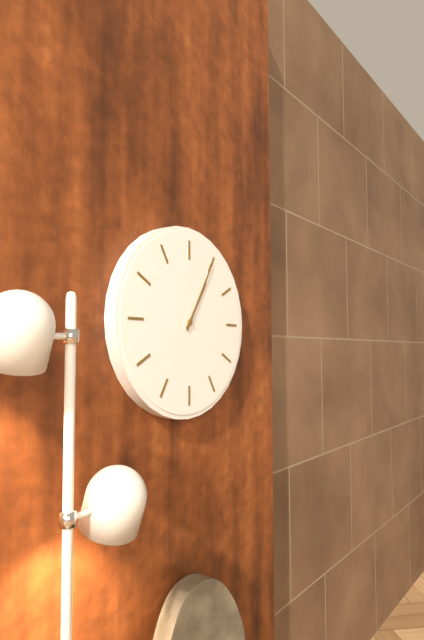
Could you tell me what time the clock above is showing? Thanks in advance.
1:05
